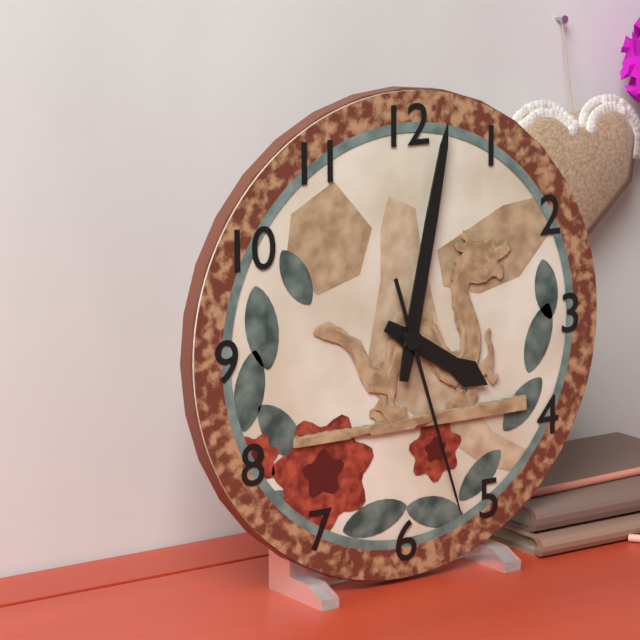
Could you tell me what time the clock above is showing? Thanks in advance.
4:02:27
